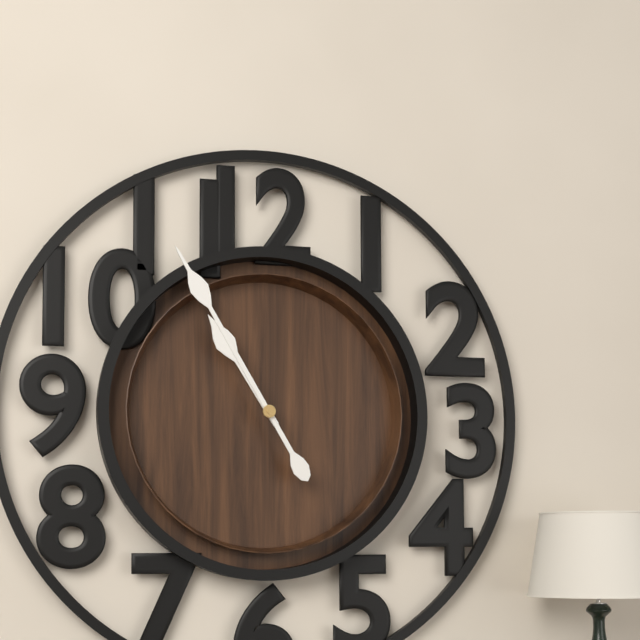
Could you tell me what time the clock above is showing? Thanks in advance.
10:55
